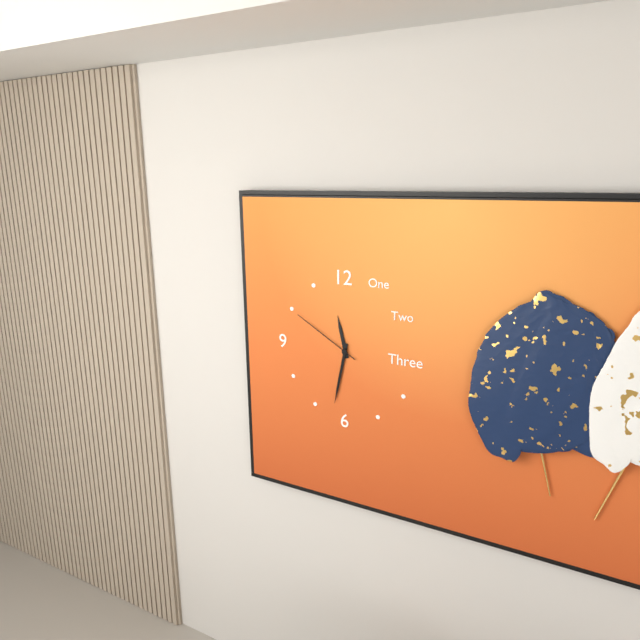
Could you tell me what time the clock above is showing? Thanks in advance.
11:32:50
